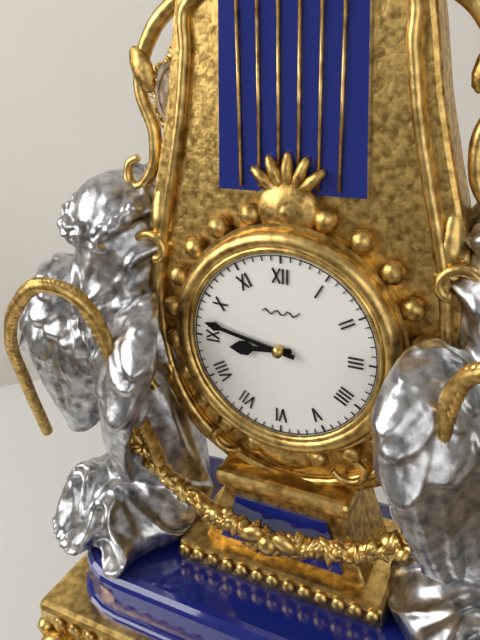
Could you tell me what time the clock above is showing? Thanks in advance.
8:47
